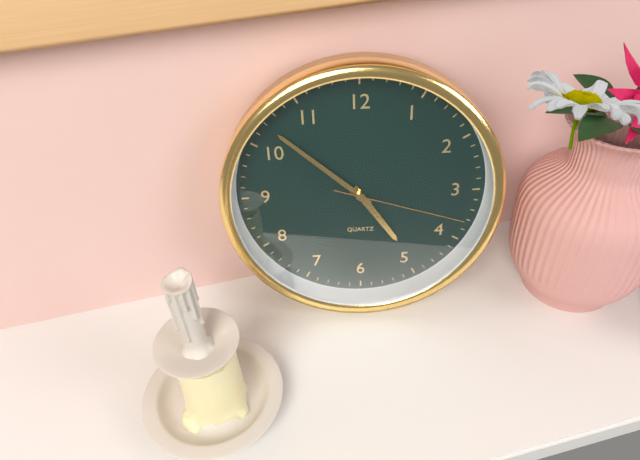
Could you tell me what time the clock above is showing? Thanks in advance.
4:52:18
